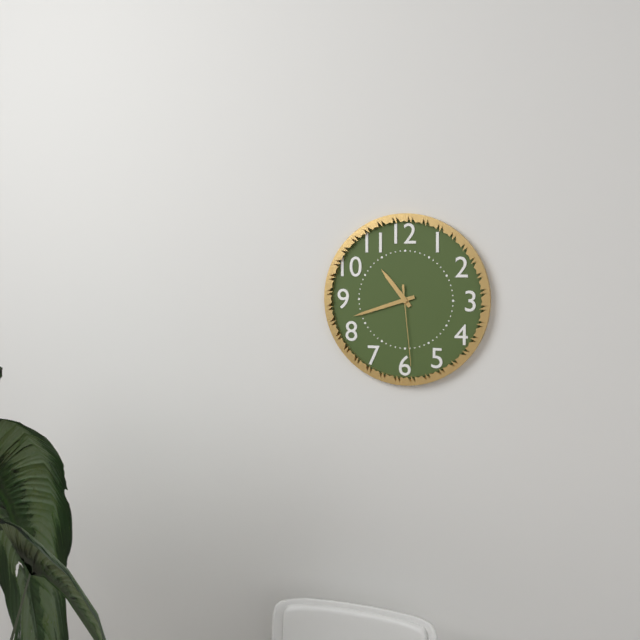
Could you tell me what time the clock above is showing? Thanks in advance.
10:42:29
